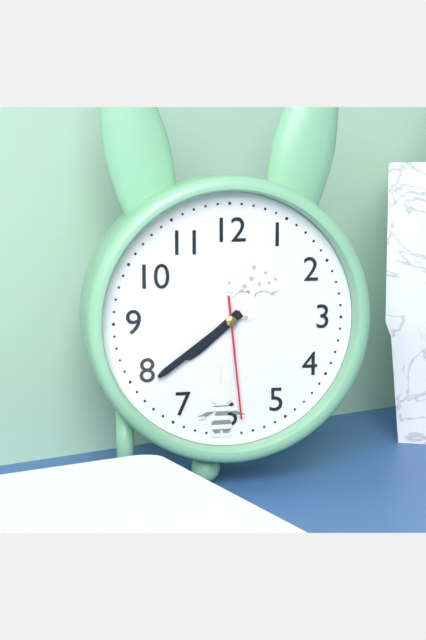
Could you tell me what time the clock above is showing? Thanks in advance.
7:39:29
